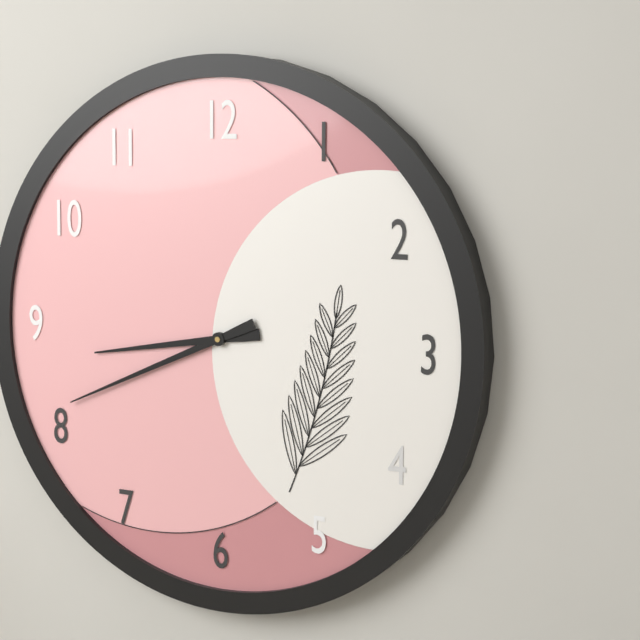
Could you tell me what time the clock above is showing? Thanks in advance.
8:41
